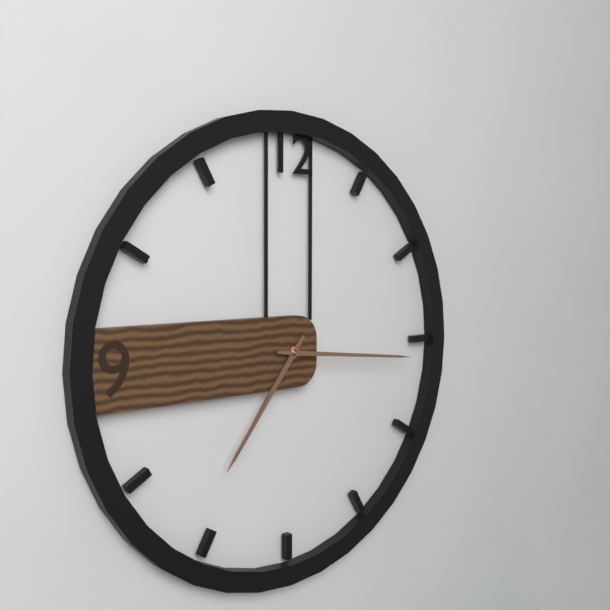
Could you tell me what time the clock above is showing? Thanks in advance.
7:16
